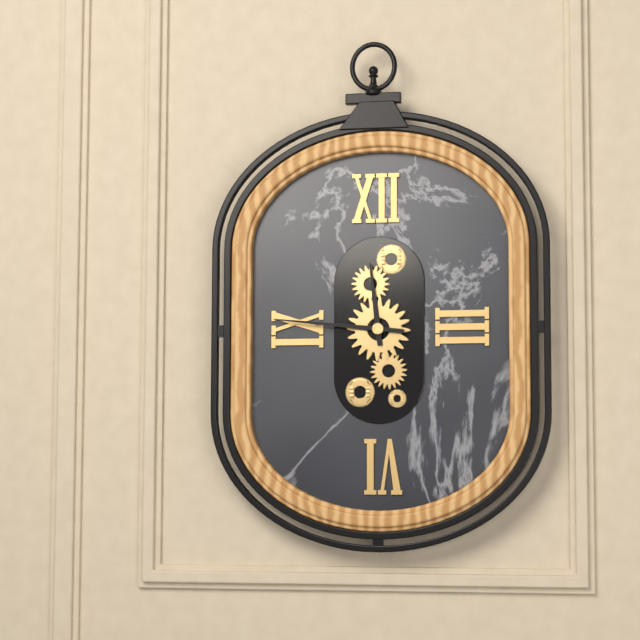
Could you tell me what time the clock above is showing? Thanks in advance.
11:46
